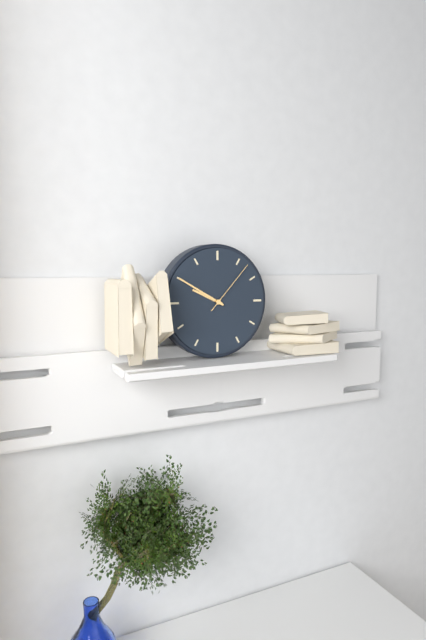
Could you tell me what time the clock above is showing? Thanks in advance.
9:50:07
